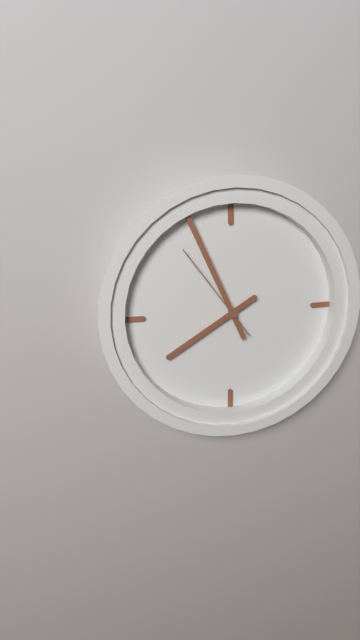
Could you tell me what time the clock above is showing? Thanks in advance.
7:56:54
